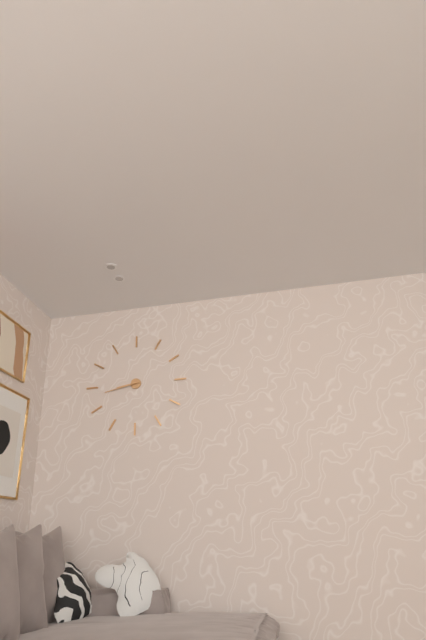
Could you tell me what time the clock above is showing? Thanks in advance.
8:43
